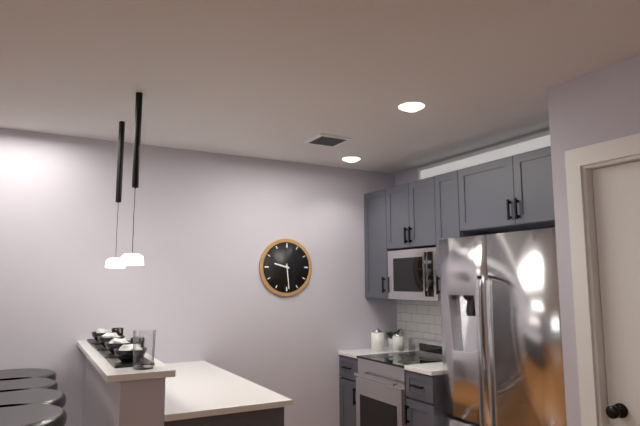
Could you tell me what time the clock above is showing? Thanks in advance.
9:29
